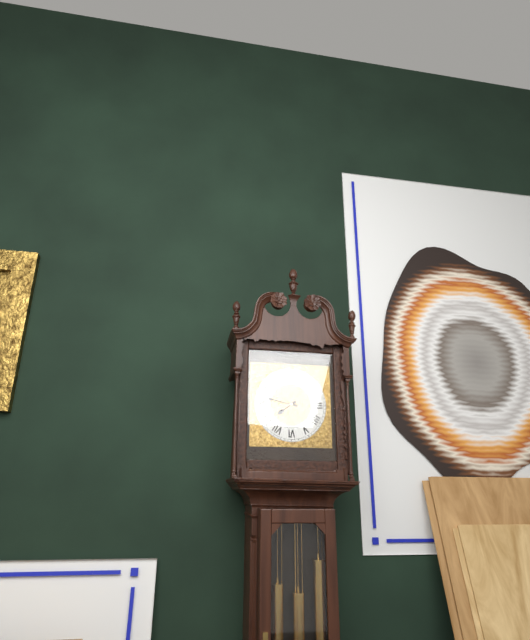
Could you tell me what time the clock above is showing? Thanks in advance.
7:47
